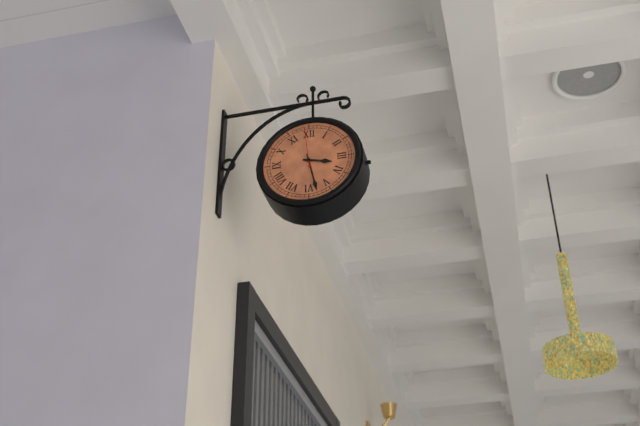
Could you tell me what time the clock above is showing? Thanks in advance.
3:28
